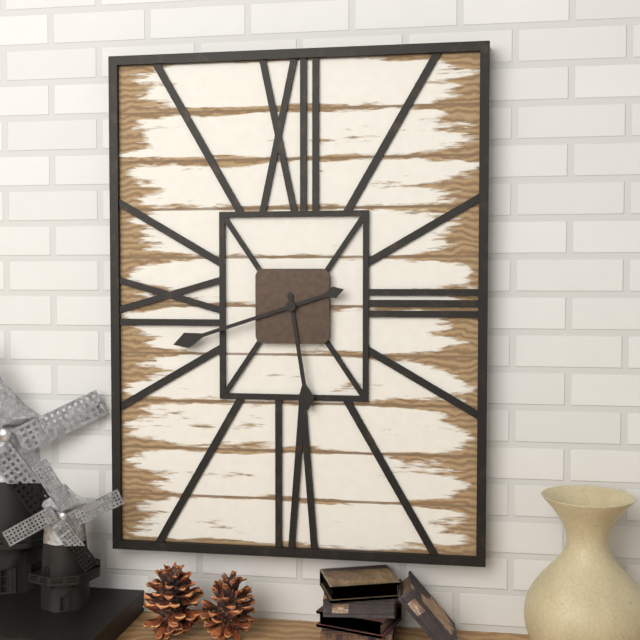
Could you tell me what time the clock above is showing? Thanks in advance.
5:42
